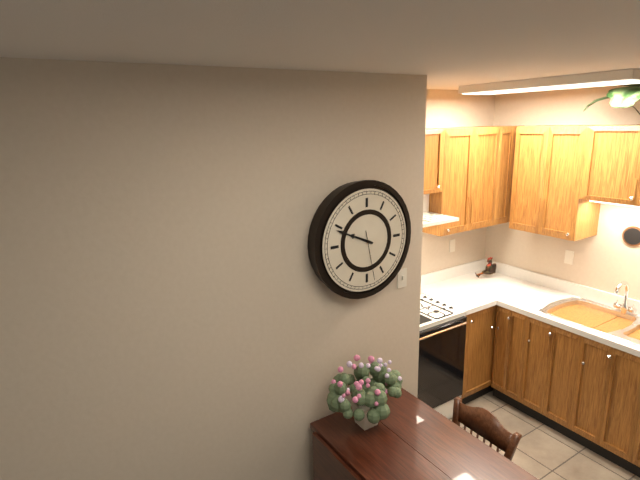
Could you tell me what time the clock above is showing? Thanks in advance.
9:49
